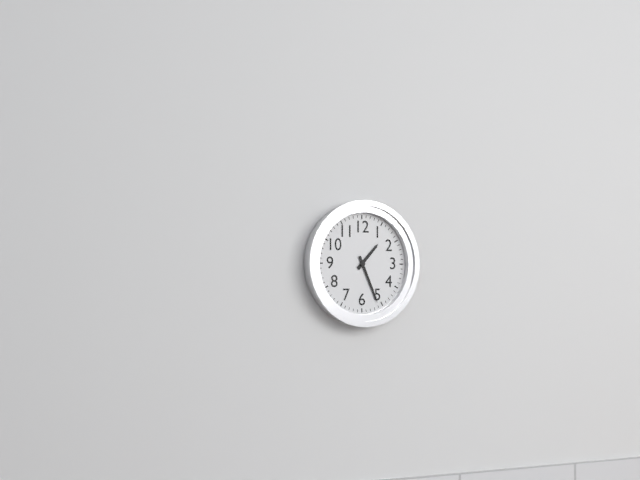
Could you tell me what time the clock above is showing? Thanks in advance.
1:26
